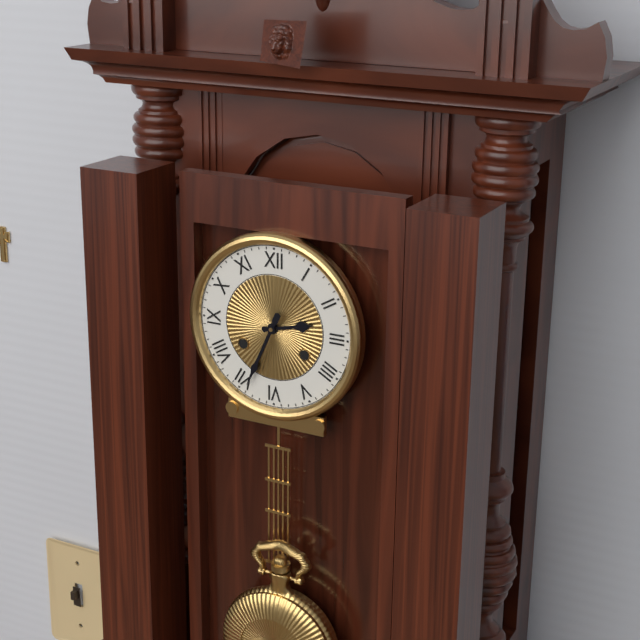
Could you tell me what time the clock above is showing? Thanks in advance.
2:34
